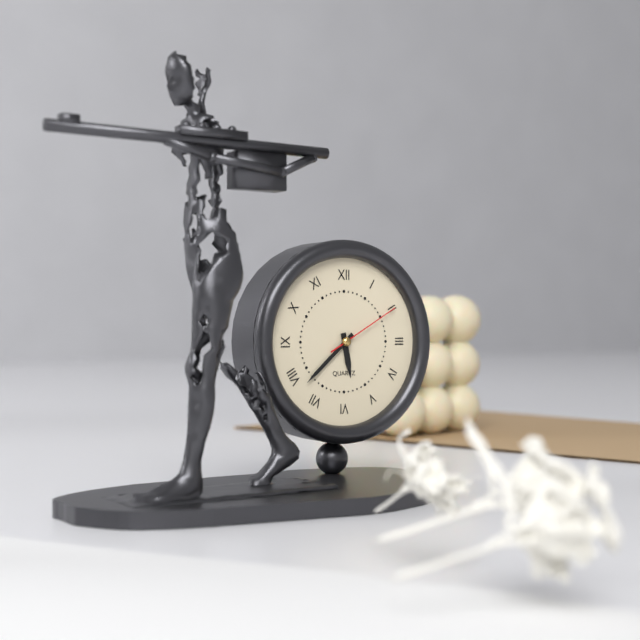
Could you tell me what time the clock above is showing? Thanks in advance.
5:38:10
